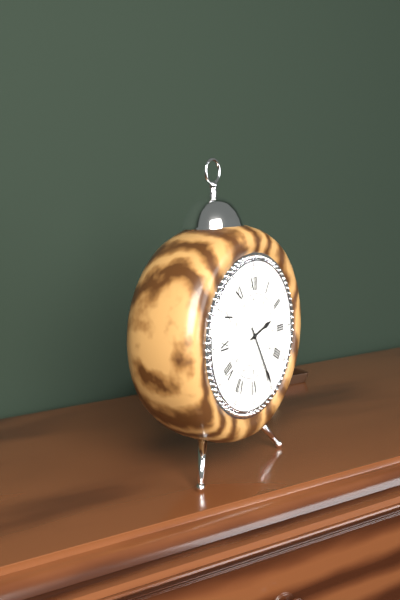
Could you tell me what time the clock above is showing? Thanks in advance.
2:25
